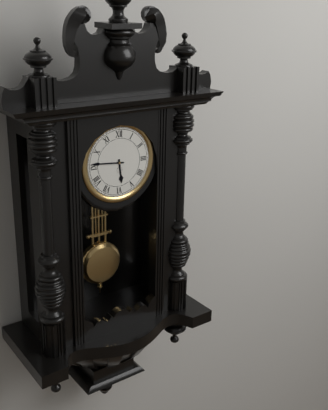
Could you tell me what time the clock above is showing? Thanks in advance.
5:46
